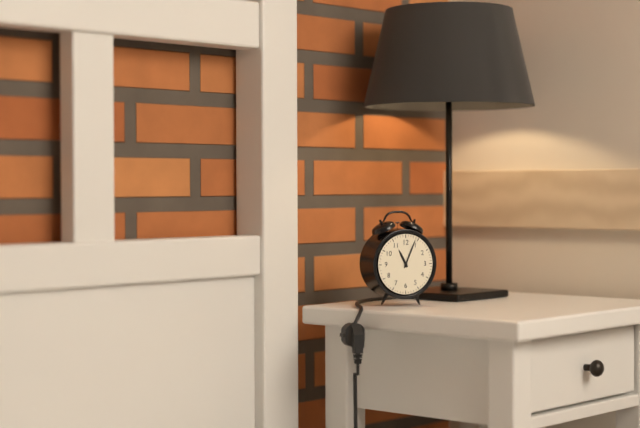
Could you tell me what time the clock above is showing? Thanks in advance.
11:04
